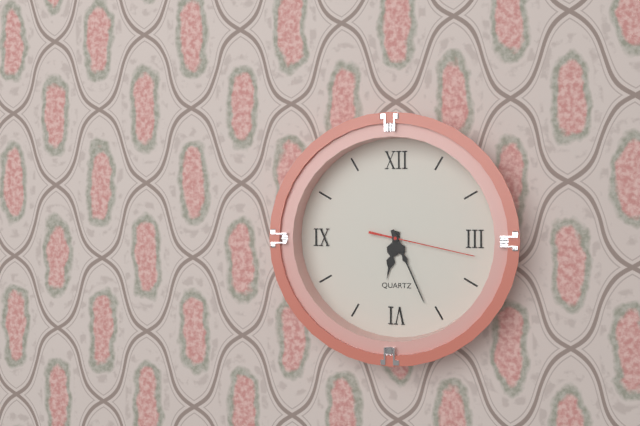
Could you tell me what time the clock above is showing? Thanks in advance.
6:26:17
